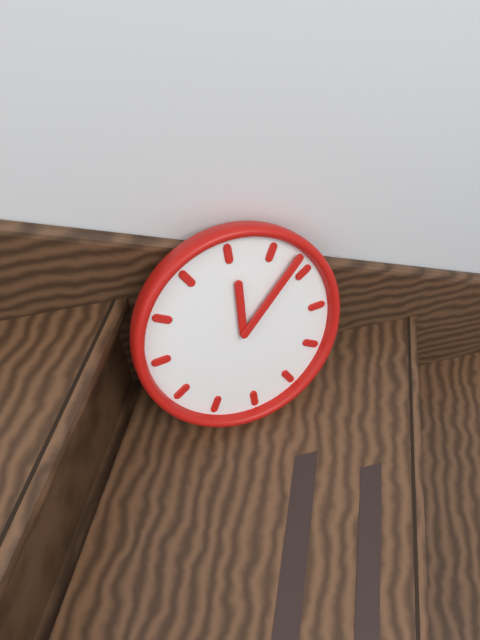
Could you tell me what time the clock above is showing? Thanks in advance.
12:08
